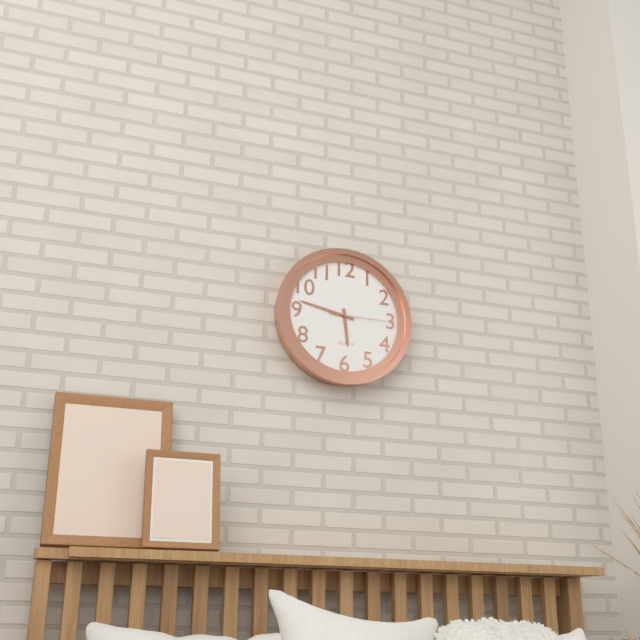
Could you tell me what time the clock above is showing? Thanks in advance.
5:47:15
